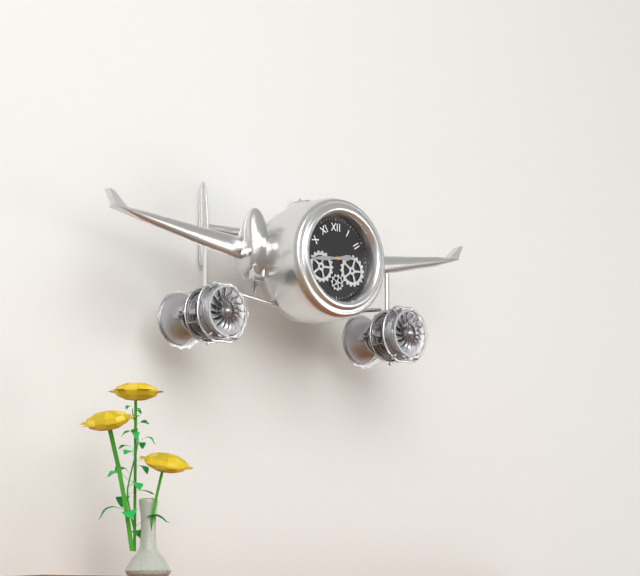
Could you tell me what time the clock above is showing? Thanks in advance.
2:44
